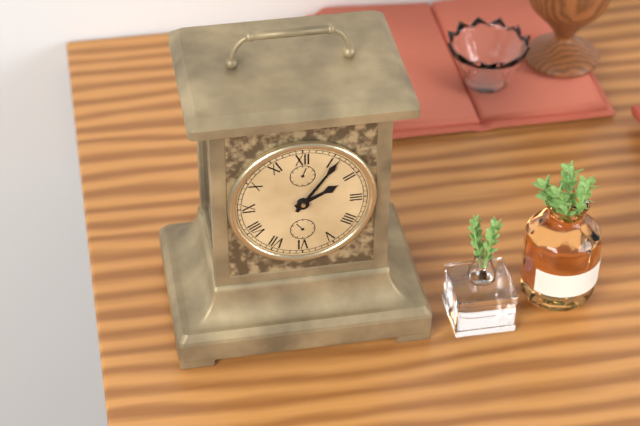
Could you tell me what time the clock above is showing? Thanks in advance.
2:06
